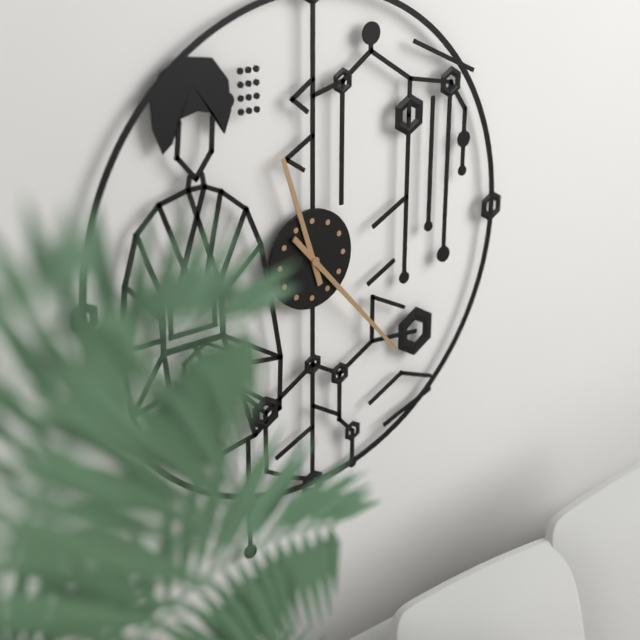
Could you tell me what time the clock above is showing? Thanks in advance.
11:23
